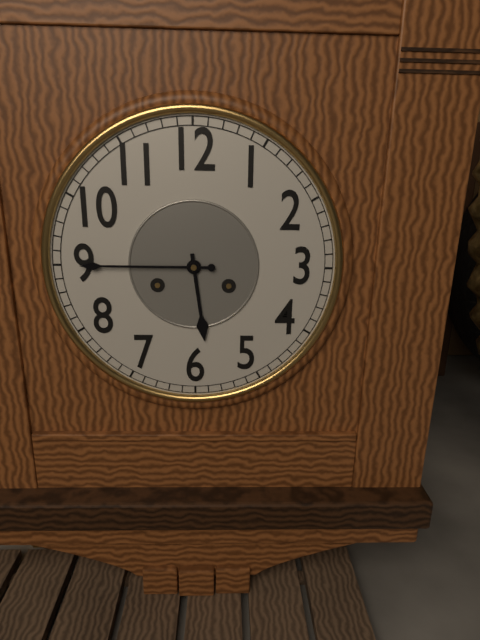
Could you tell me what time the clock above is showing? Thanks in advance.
5:45
